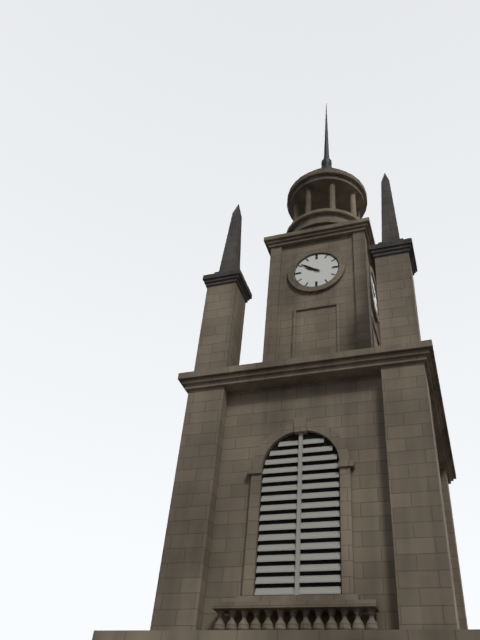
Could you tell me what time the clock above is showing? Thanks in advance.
9:51
